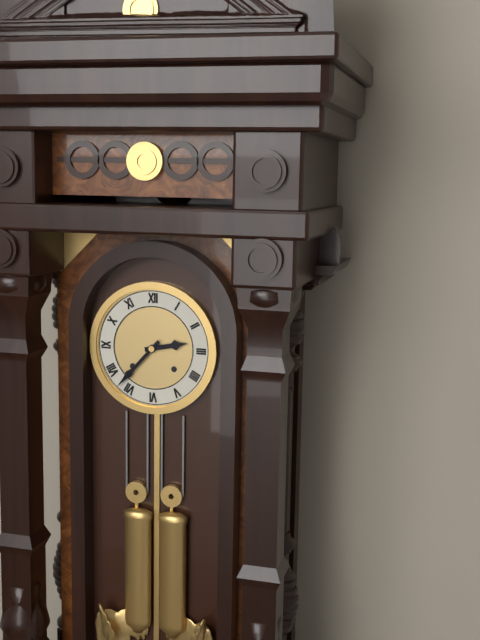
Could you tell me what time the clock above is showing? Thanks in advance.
2:37
